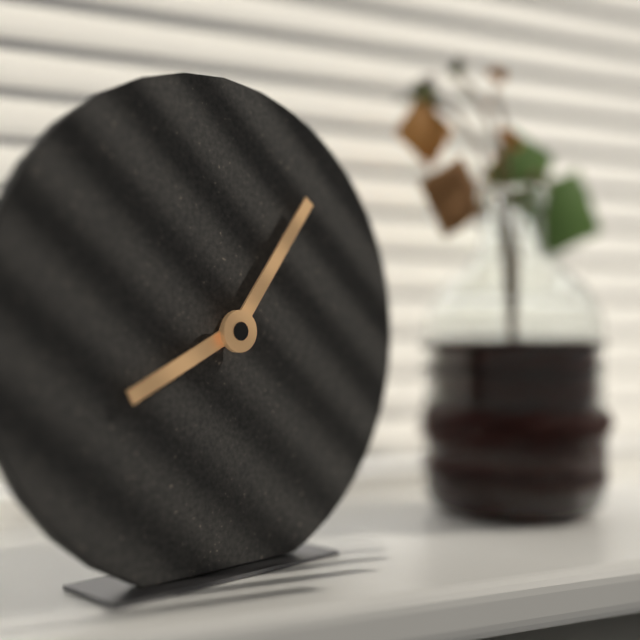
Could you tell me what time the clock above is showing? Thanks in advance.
8:06
